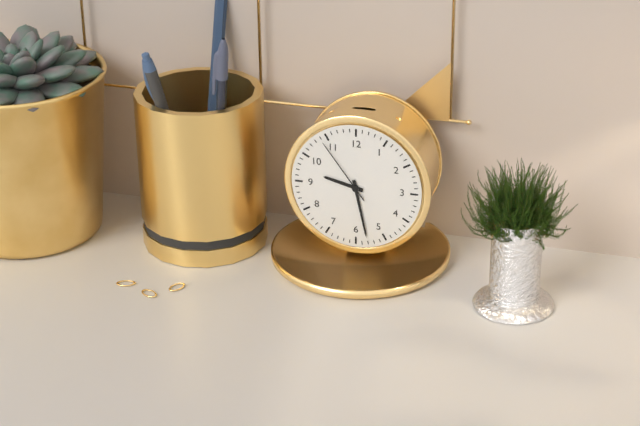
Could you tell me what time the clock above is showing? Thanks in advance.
9:28:54
